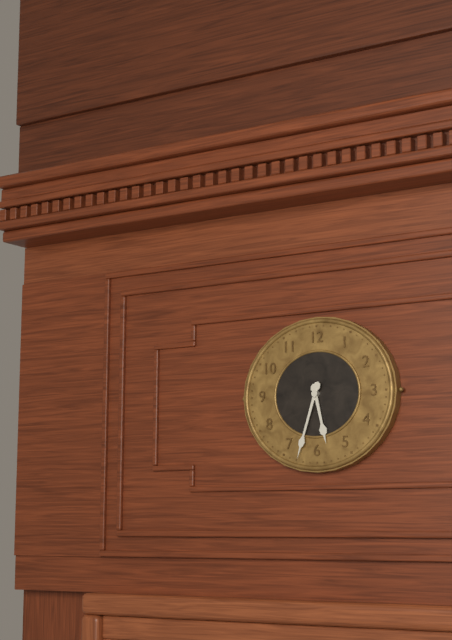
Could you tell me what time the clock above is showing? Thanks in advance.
5:33
